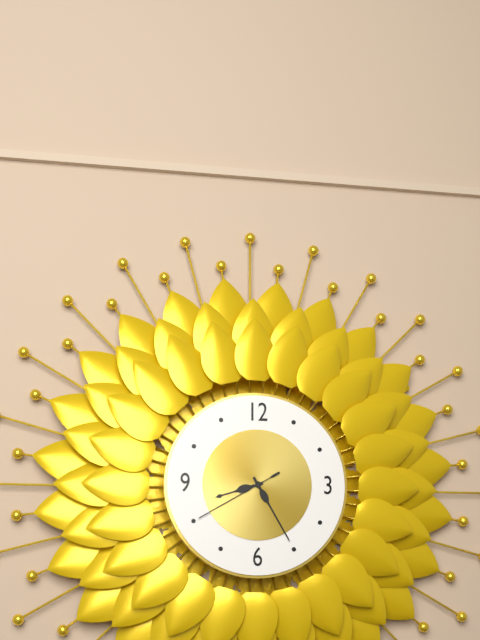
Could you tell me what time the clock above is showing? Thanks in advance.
8:25:40
